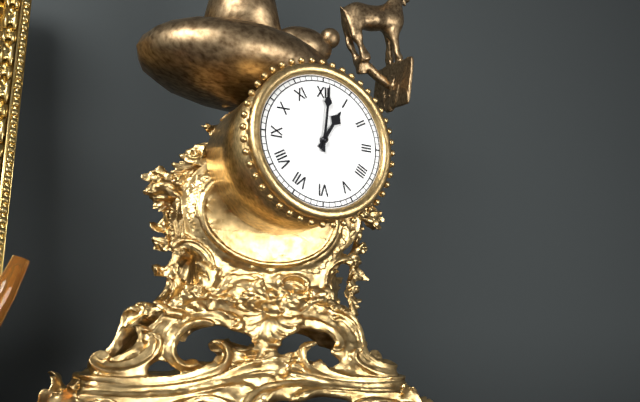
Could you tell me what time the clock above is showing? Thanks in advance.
1:01
